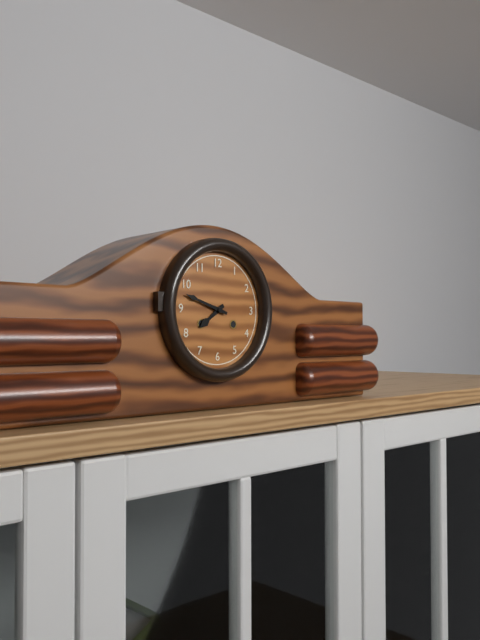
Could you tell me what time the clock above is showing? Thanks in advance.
7:48
